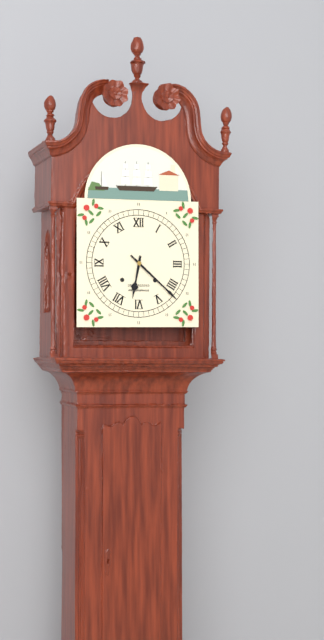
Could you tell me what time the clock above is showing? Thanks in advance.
6:22
